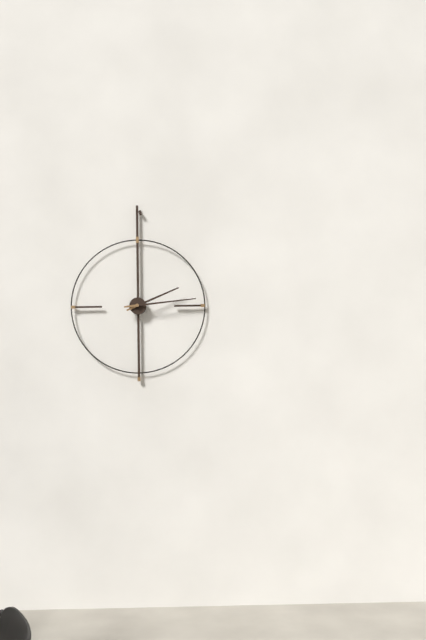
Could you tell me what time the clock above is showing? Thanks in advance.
2:14
